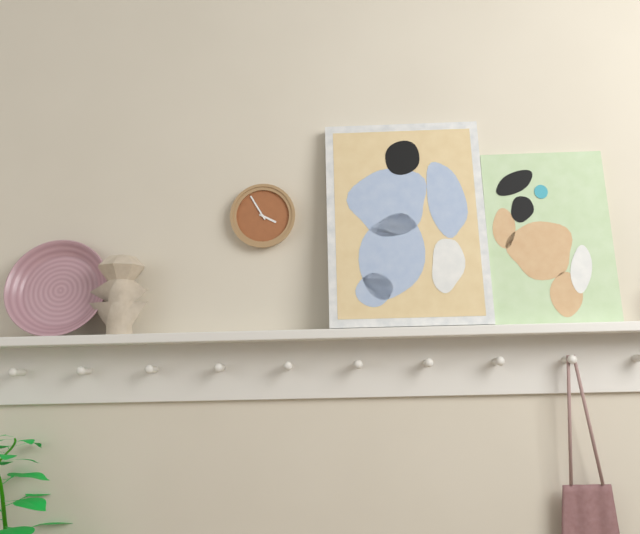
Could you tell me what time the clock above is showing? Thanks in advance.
3:55
